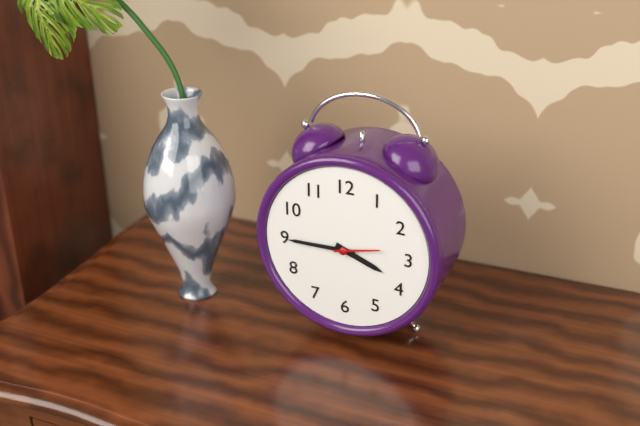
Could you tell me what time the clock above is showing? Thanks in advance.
3:45
